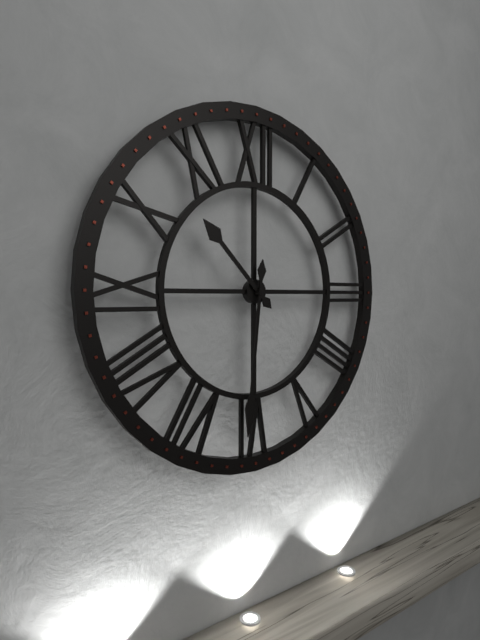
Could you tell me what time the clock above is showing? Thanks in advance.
10:31
